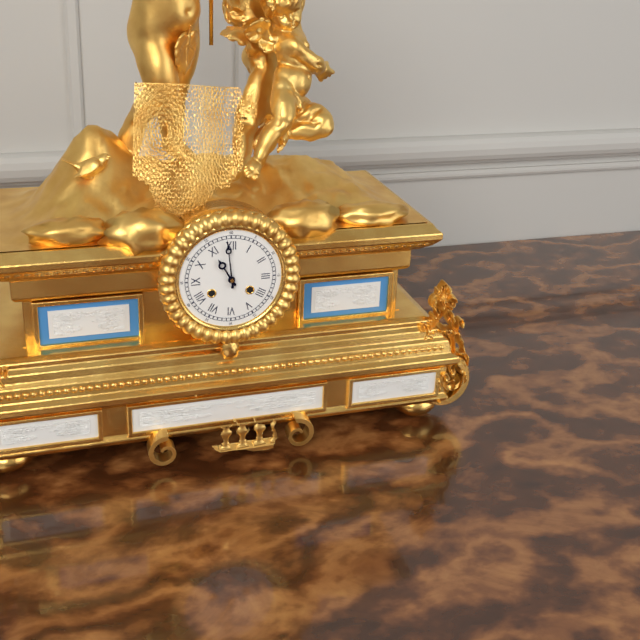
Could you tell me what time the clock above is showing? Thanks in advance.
10:59
